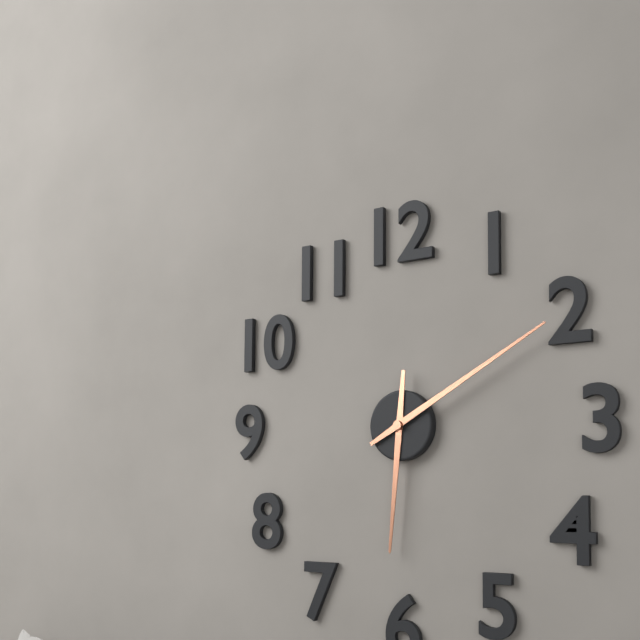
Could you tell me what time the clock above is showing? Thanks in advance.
6:10
